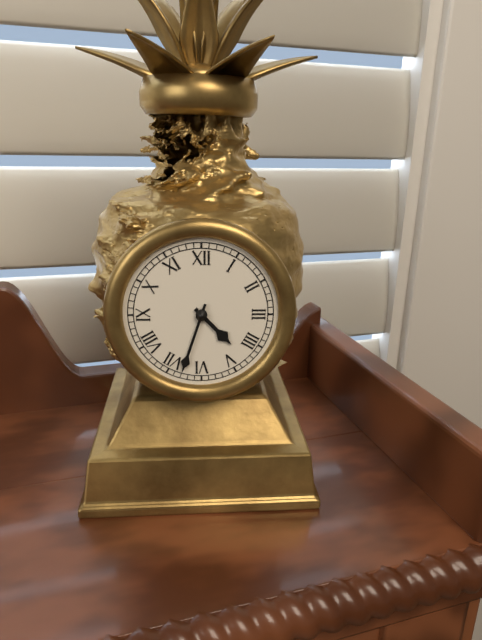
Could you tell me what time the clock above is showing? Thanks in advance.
4:33
